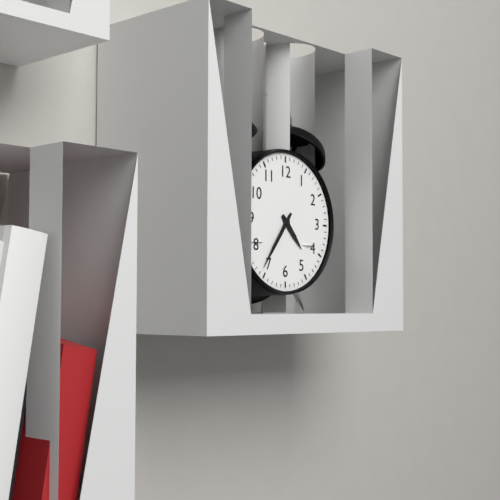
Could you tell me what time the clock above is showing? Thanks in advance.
4:36
